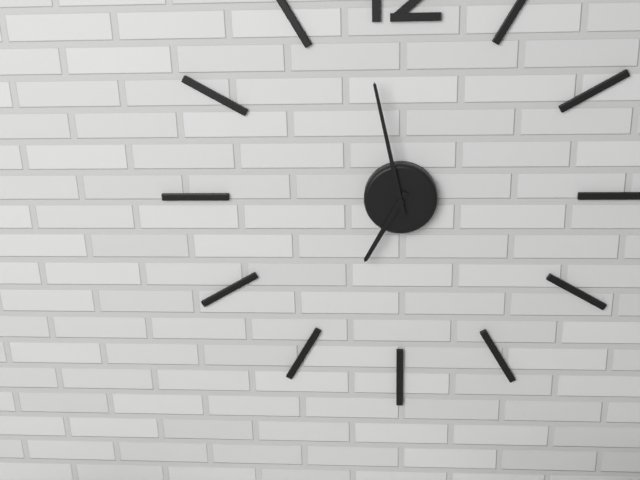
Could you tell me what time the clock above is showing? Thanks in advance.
6:58
